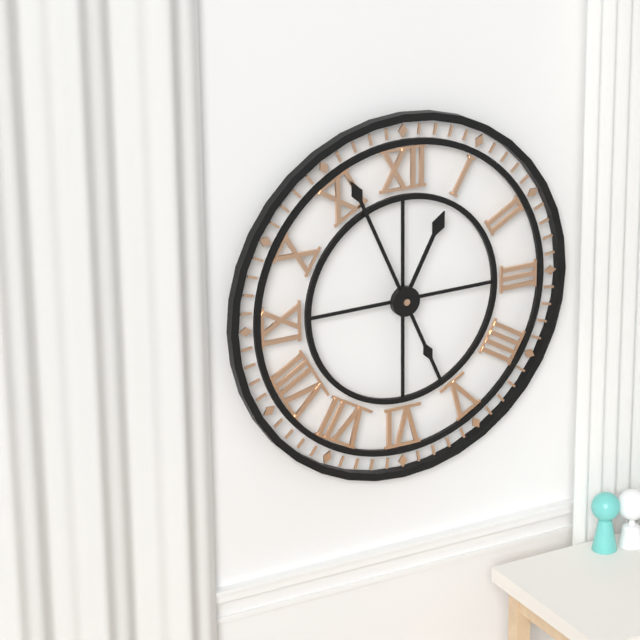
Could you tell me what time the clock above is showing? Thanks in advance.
12:56
